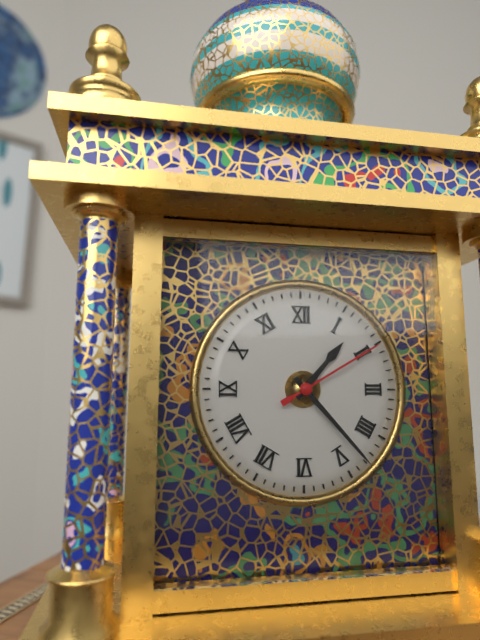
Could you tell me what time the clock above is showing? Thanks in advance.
1:23:10
